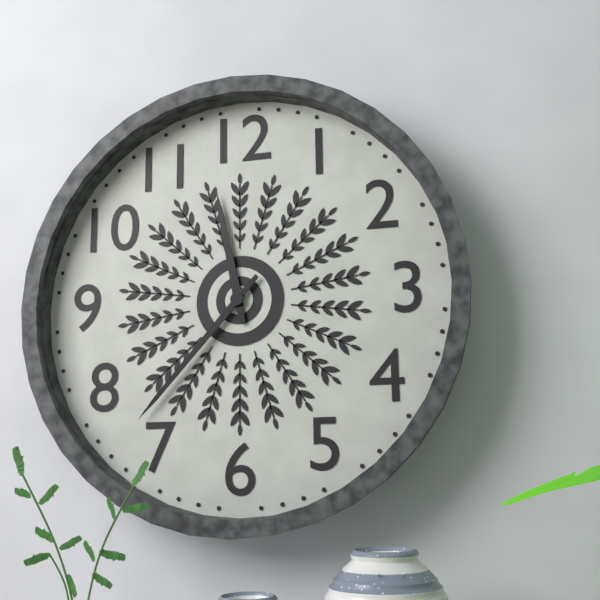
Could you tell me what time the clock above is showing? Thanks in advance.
11:37
